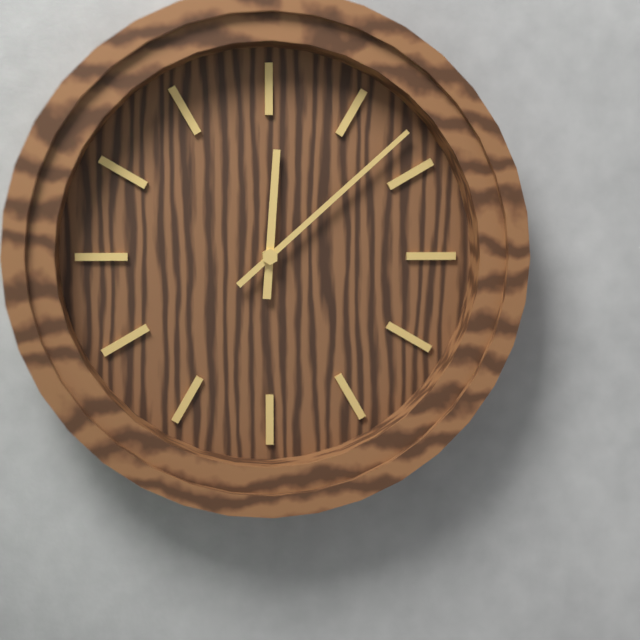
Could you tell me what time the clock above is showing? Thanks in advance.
12:08
